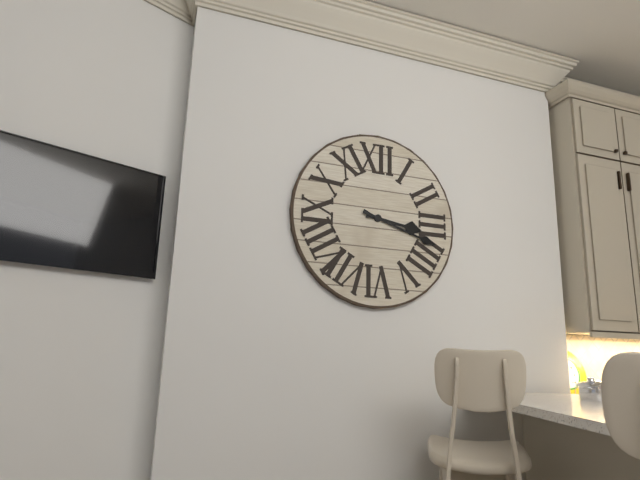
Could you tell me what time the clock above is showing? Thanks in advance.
3:18
